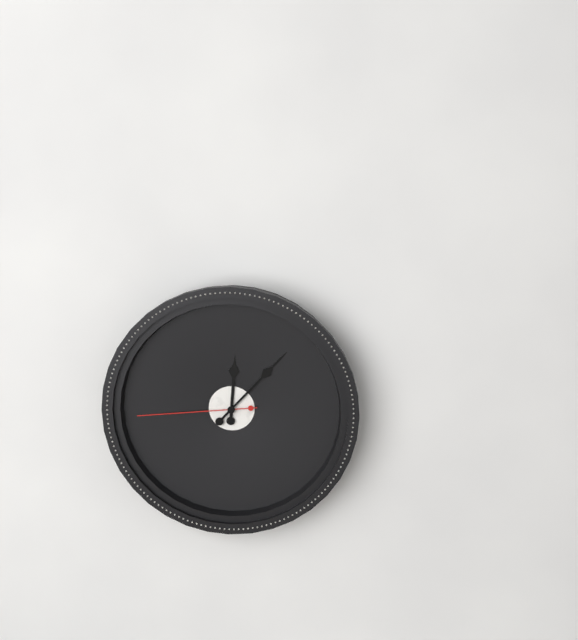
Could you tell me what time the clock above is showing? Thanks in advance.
12:07:44
